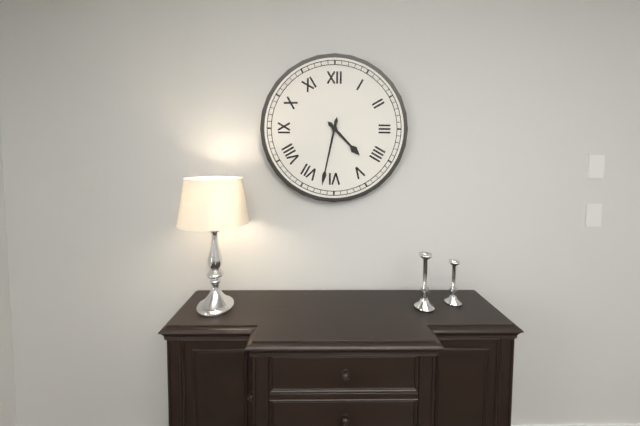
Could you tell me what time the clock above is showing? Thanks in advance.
4:32
